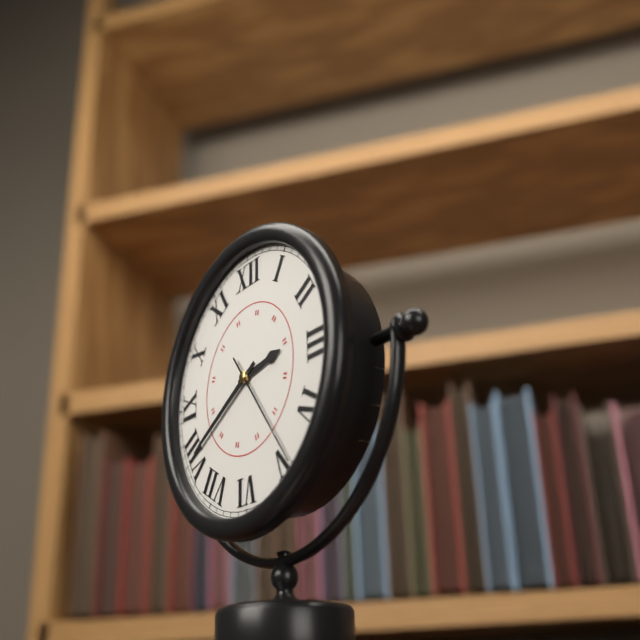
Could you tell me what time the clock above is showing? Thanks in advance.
2:40:24
